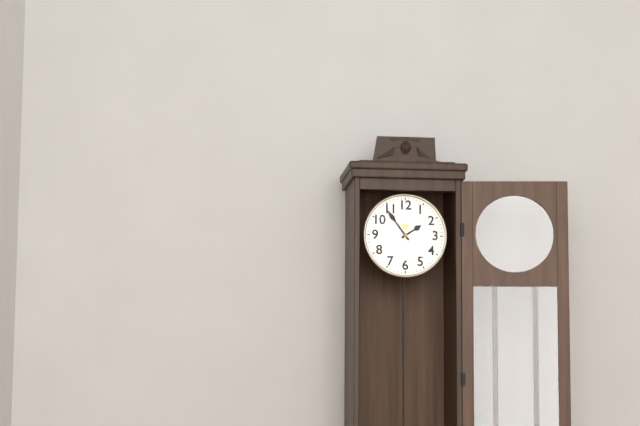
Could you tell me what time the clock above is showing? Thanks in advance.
1:54
